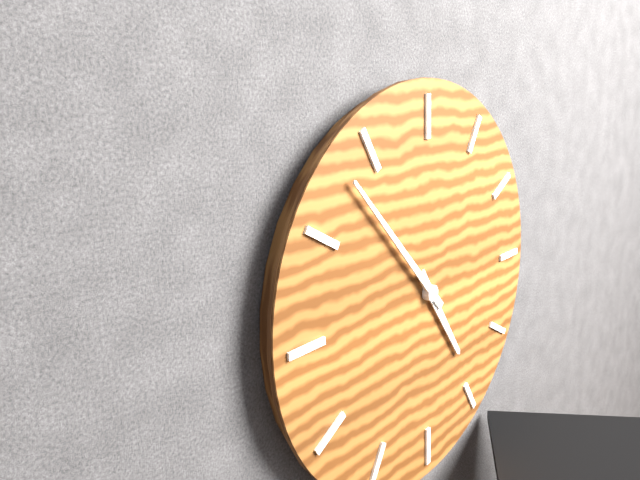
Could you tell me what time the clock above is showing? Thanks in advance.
4:53
